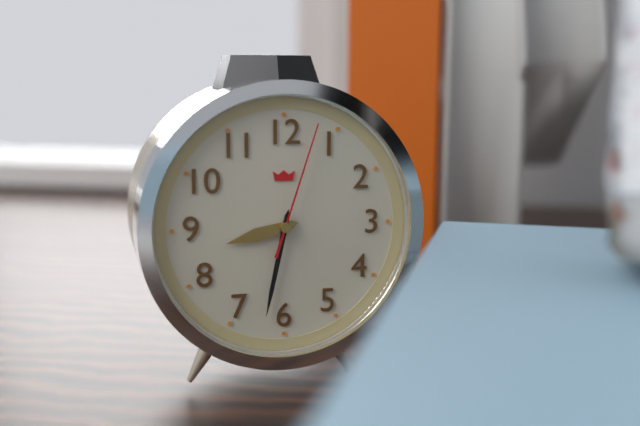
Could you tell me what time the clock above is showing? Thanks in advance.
8:32:03
